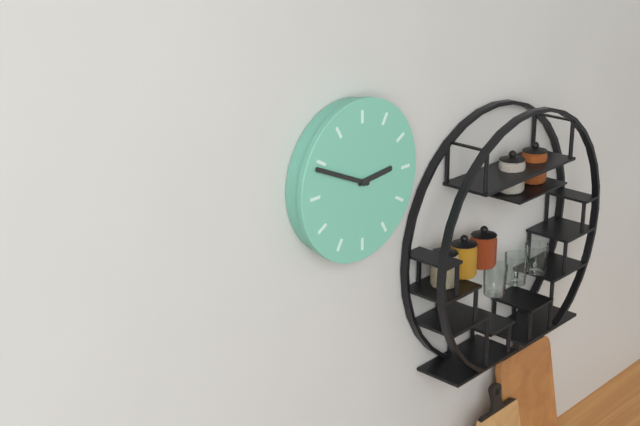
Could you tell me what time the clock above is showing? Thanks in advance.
2:49
